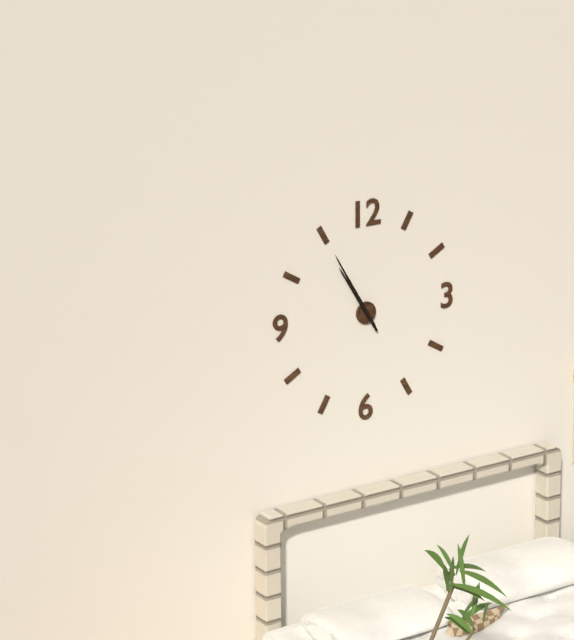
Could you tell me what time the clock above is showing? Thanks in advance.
10:55
